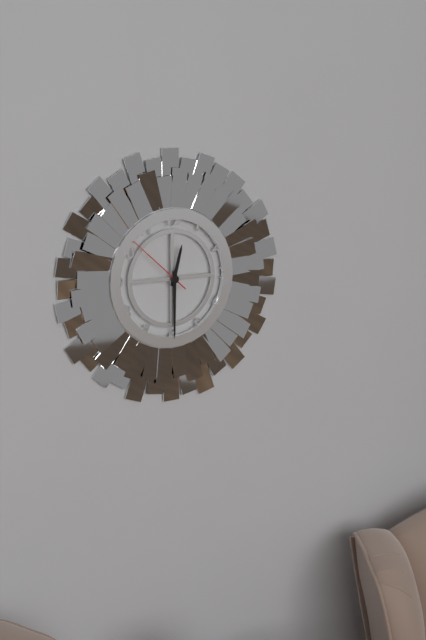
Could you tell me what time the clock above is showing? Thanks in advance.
12:30:52
